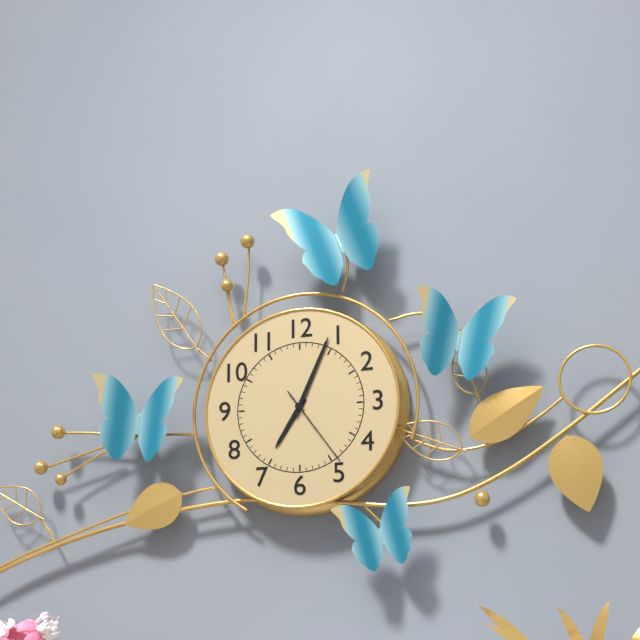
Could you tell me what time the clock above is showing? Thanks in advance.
7:04:24
